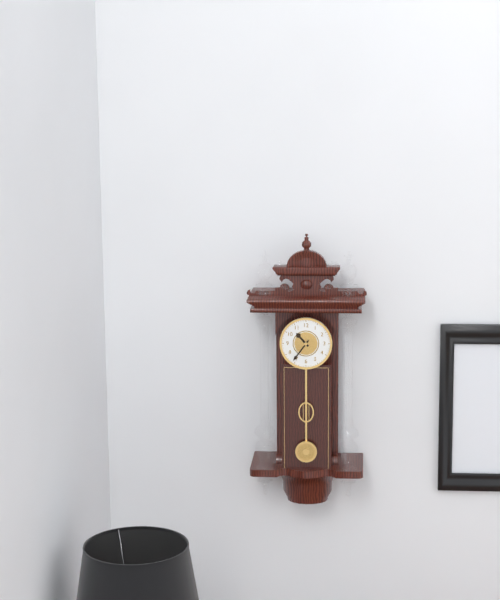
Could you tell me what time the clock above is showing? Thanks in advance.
10:36
